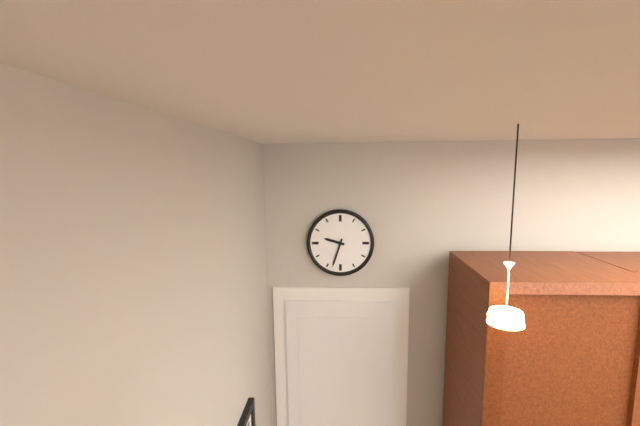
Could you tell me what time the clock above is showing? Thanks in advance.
9:33
